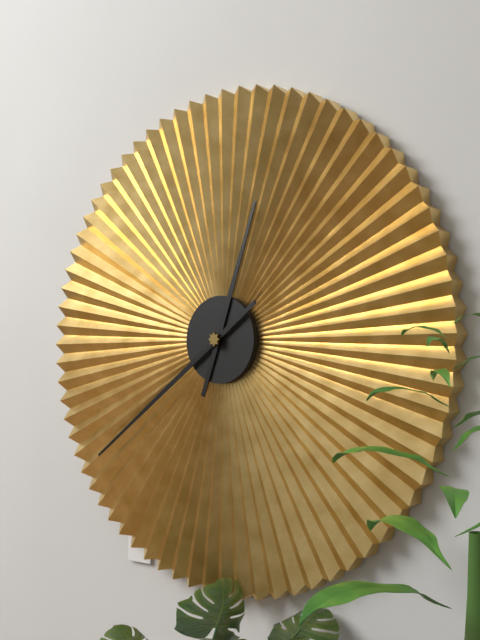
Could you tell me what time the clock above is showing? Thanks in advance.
12:39
